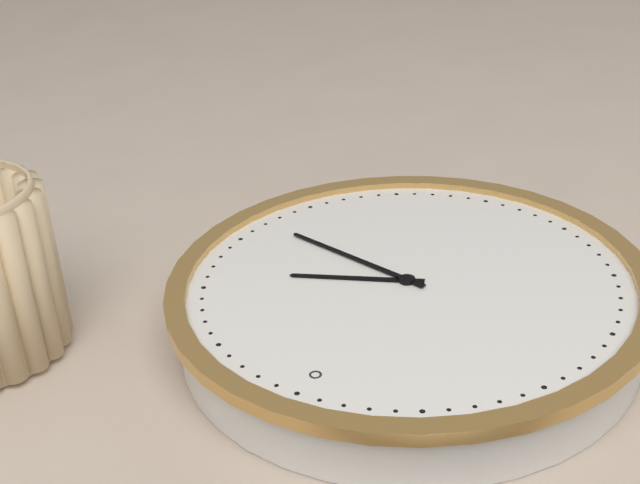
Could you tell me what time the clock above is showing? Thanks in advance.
2:17
